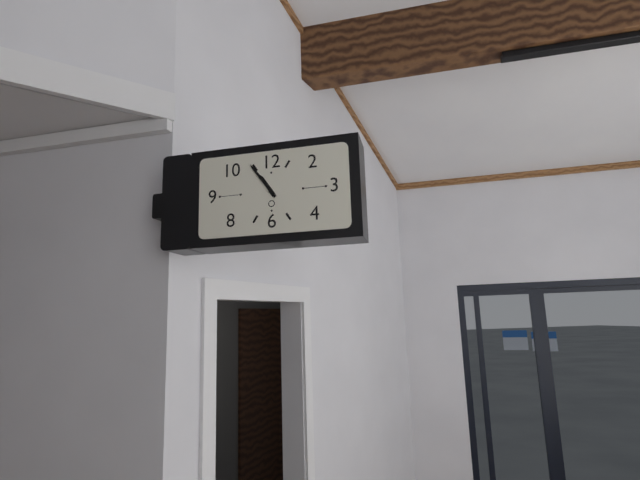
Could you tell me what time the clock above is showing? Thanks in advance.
10:54
